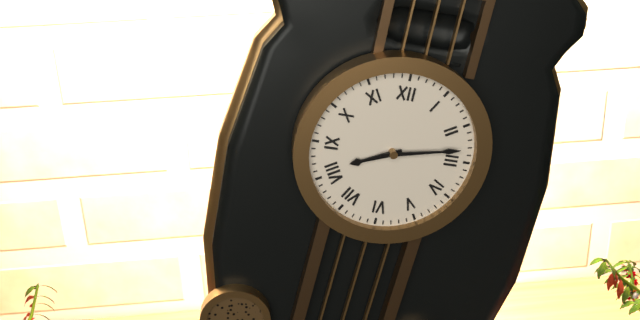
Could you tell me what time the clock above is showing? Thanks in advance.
8:13
